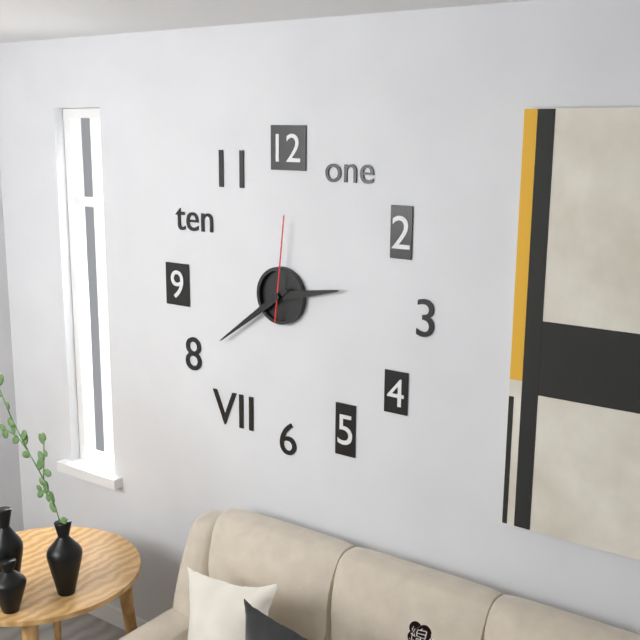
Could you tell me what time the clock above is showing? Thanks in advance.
2:39:01
